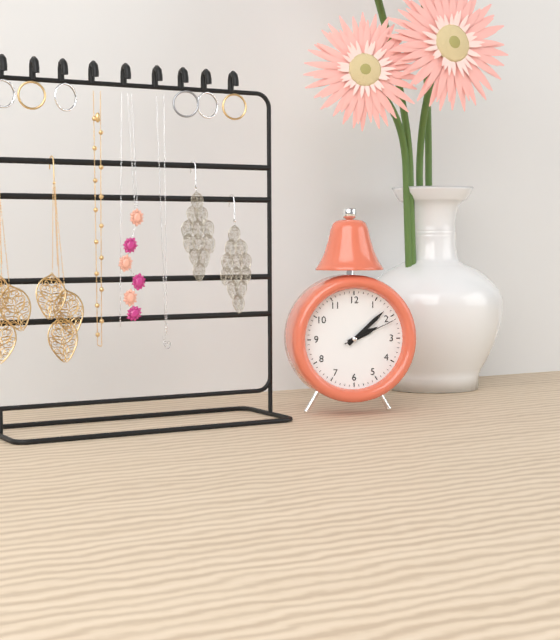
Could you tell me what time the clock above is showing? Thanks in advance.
2:08:11
